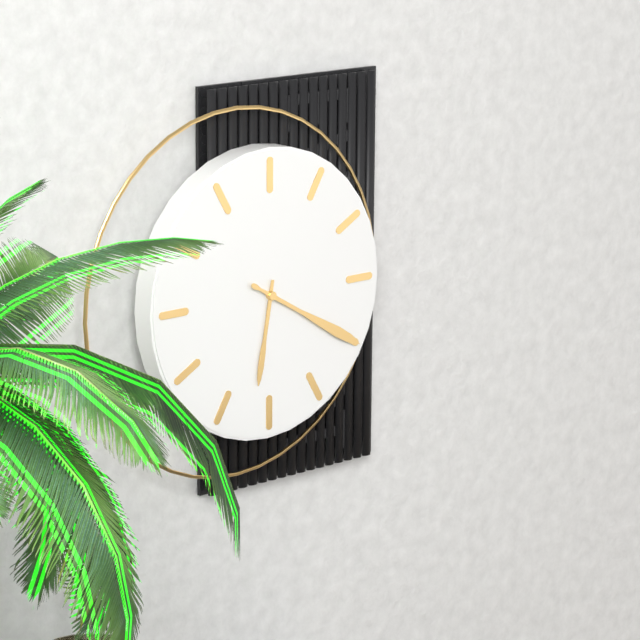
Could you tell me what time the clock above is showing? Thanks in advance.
6:20
